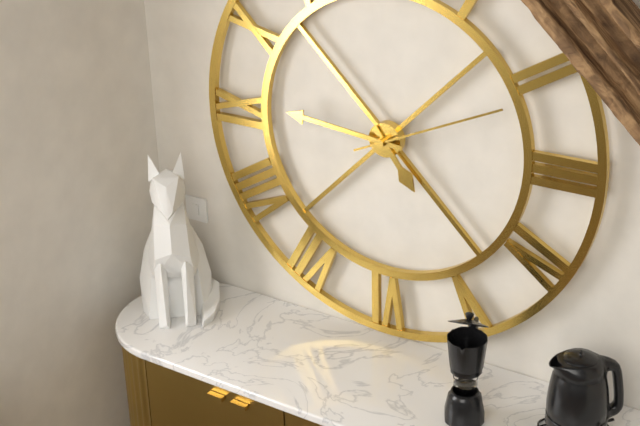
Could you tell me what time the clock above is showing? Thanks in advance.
4:46:11
